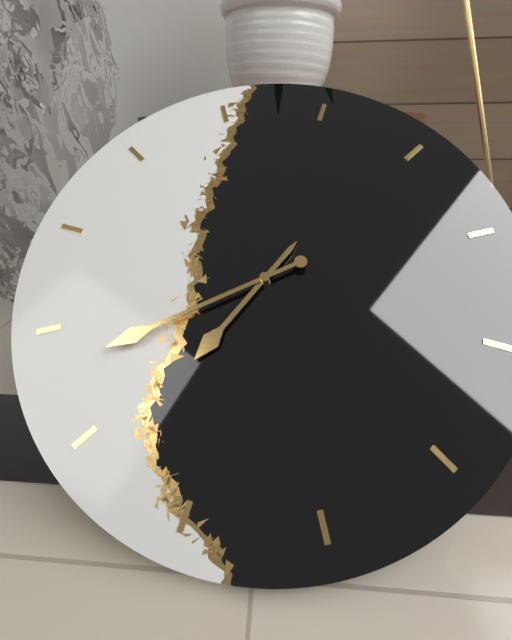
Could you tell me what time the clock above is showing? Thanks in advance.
7:43
